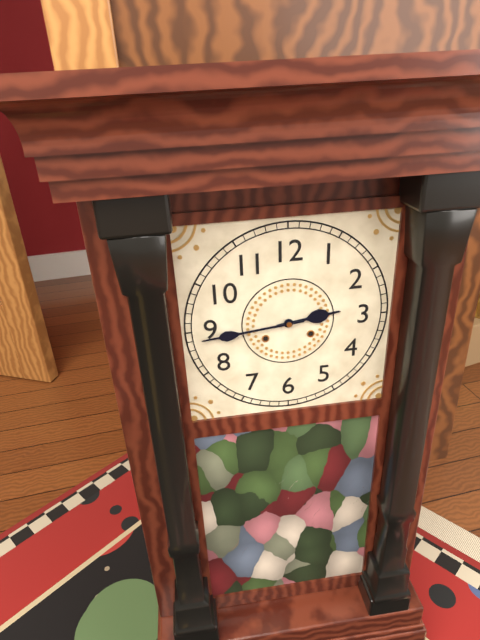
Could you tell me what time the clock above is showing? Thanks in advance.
2:44
